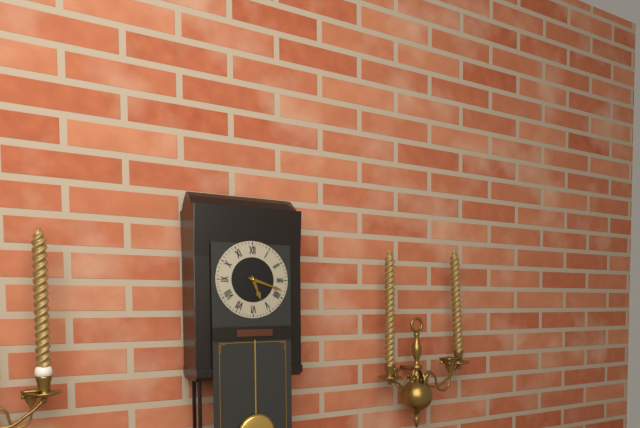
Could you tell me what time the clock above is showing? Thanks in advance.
5:18
